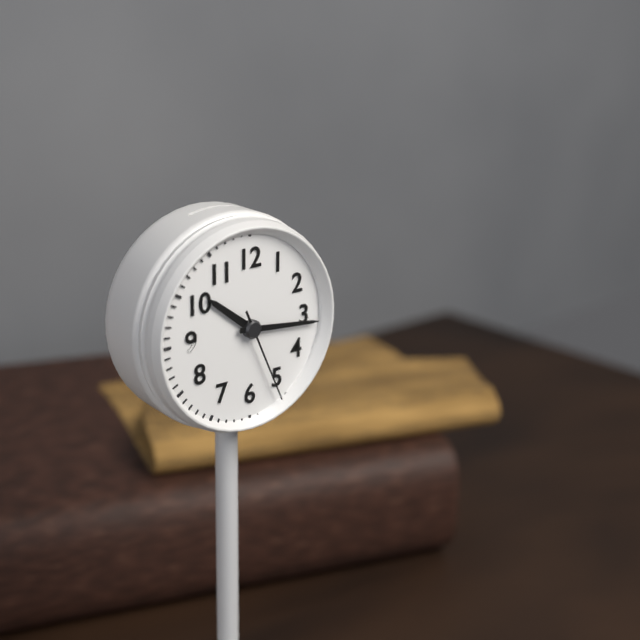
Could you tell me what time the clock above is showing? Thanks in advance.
10:16:26
